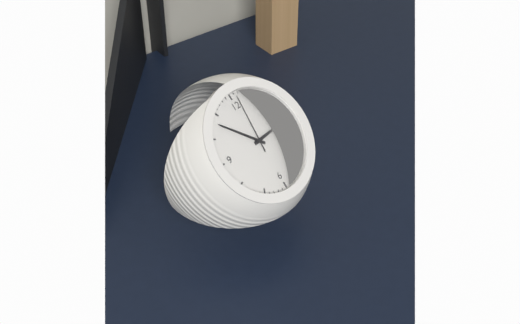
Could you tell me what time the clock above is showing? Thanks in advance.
2:53:01
